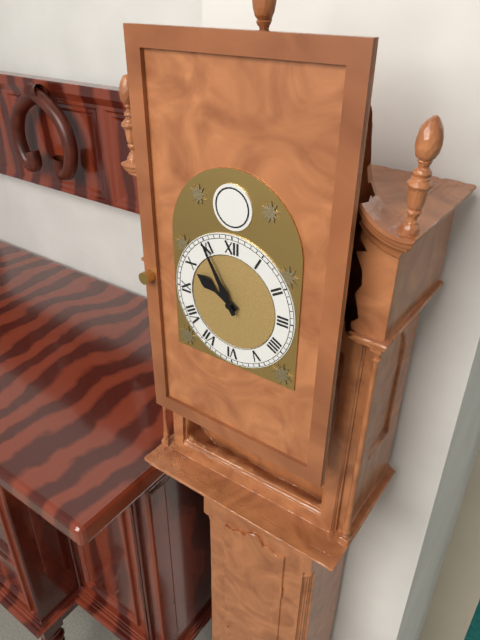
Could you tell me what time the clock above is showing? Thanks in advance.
9:55
